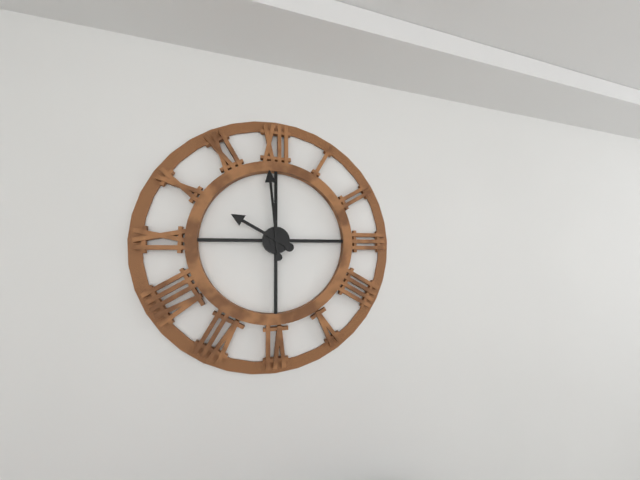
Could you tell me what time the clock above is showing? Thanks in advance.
9:59
